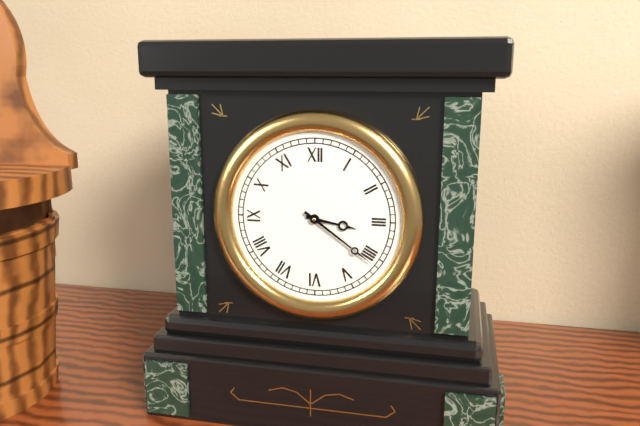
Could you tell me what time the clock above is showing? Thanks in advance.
3:21
